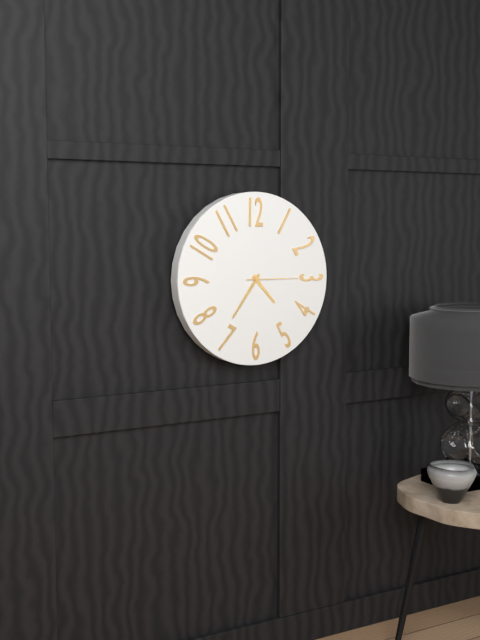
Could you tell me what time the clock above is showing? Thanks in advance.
4:36:15
